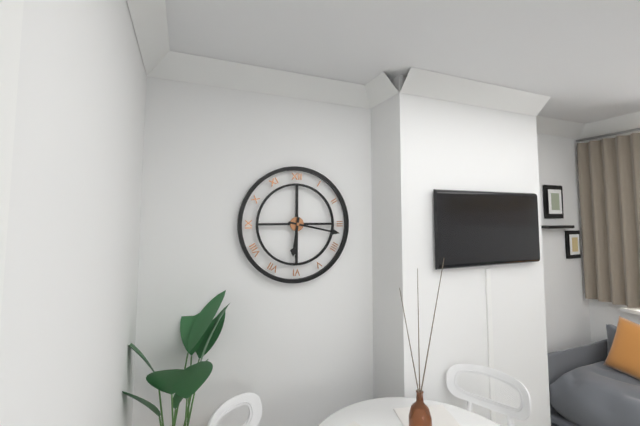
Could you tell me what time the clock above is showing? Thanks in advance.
6:17
